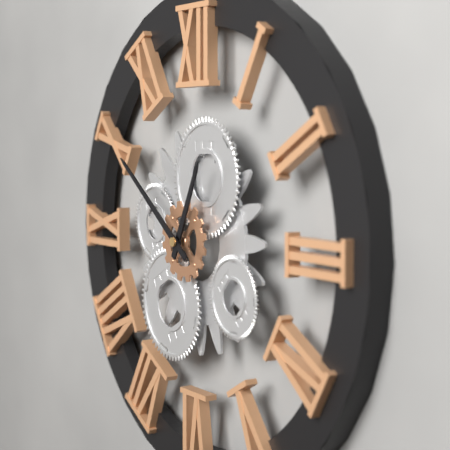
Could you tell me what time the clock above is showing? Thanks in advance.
12:51
